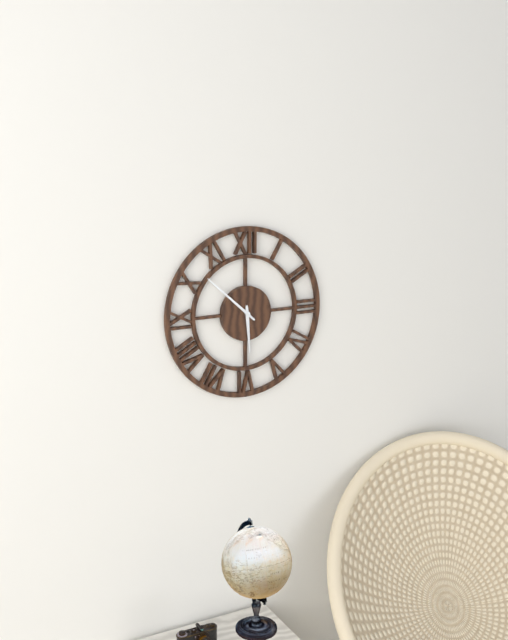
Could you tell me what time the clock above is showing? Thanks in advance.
5:52
